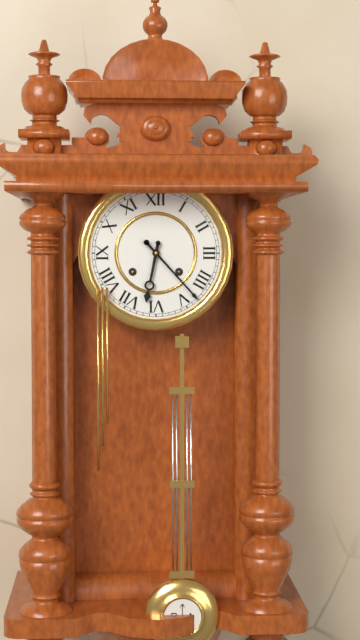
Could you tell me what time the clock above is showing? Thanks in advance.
6:23
